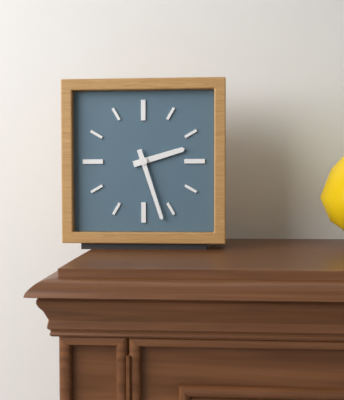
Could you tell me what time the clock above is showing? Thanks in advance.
2:27
